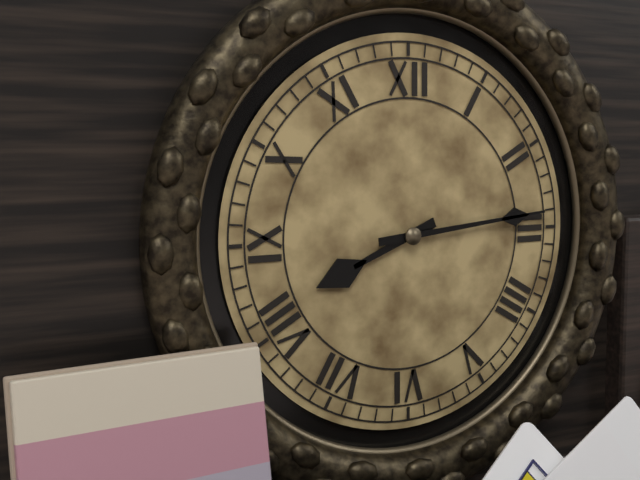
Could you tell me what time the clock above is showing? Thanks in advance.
8:14
